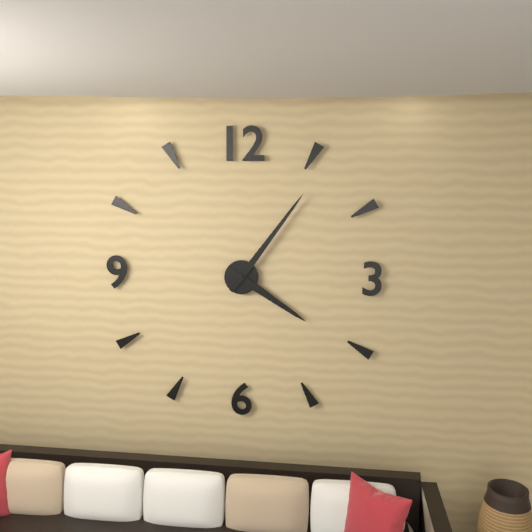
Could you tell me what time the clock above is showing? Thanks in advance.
4:06
